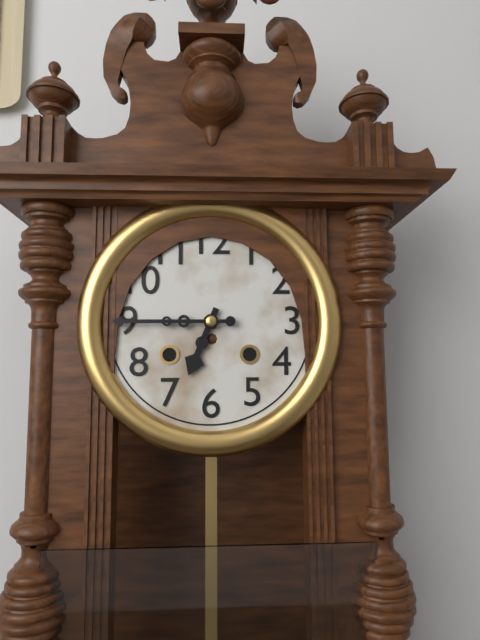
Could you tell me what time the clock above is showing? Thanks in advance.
6:45
